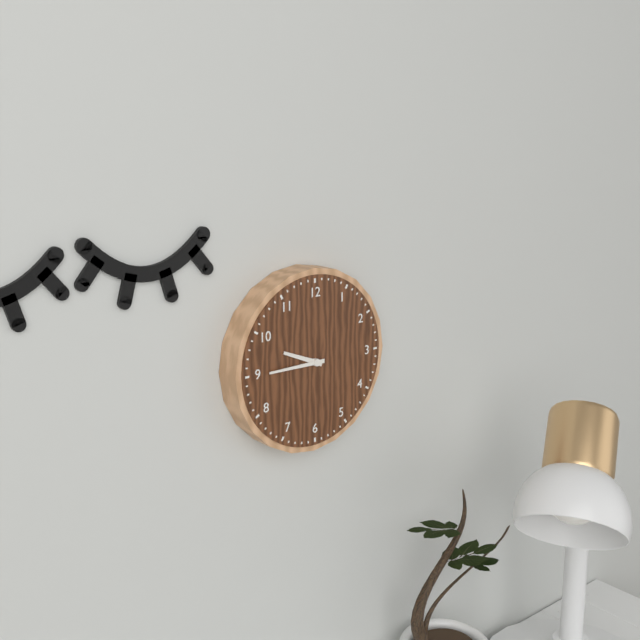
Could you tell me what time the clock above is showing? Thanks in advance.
9:45
